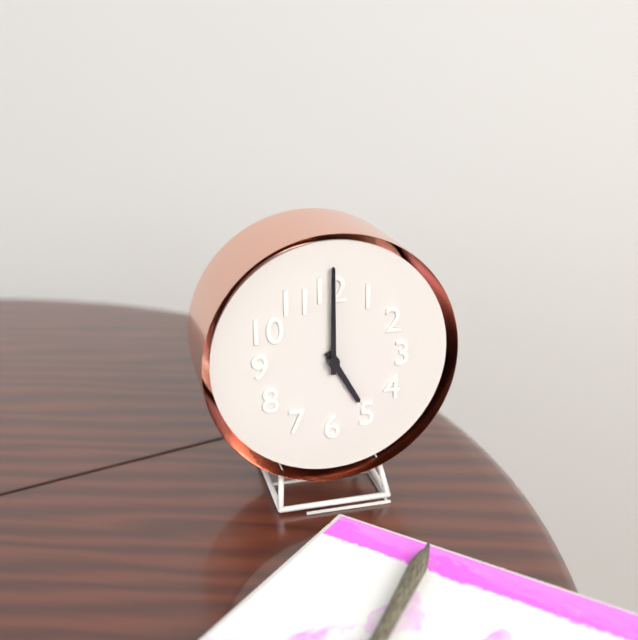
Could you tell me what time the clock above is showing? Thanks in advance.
5:00
